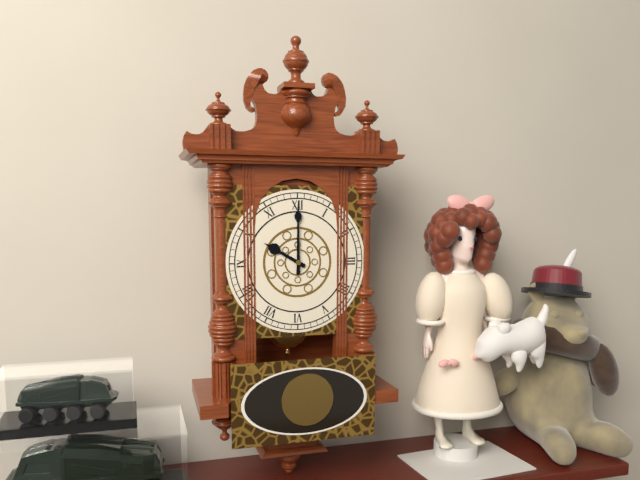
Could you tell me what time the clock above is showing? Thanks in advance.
10:00
